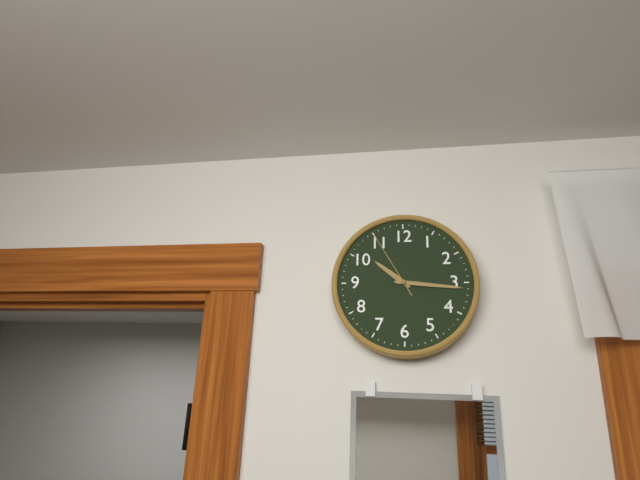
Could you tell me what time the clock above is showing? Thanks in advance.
10:16:55
